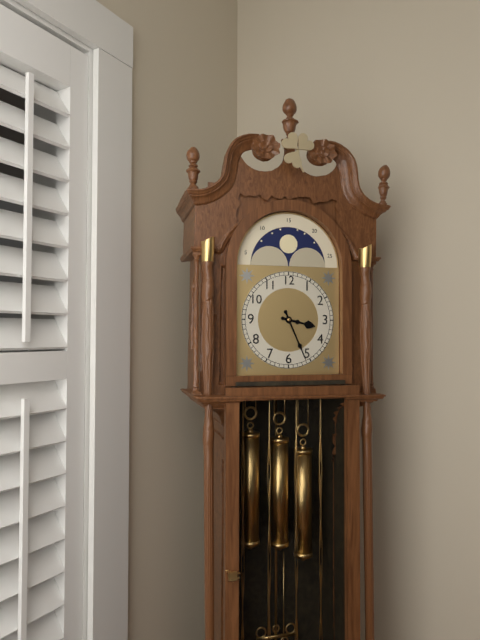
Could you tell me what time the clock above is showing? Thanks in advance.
3:26
